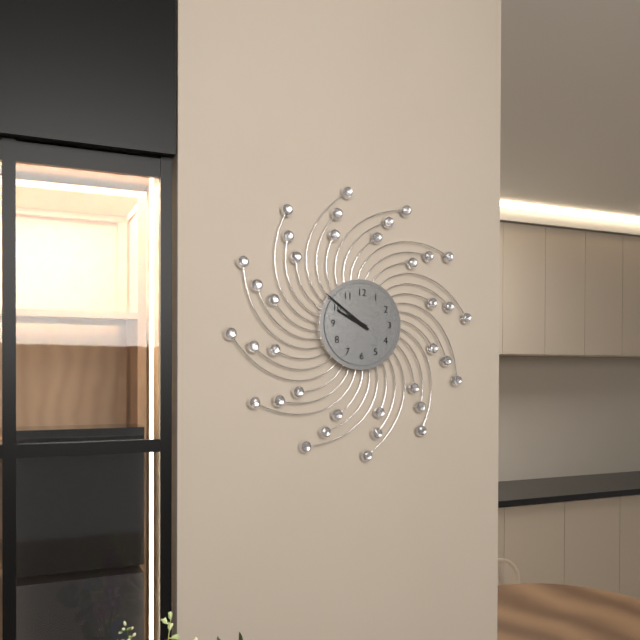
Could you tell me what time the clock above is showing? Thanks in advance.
9:51
